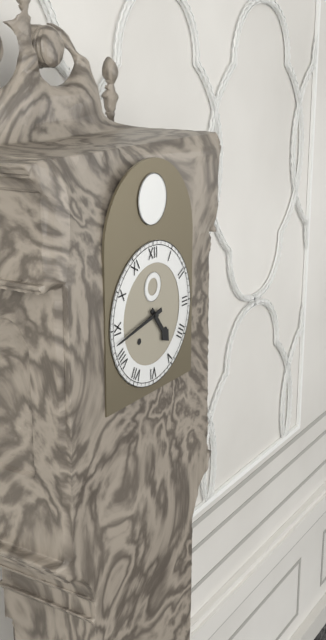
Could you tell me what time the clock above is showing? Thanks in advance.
4:43
